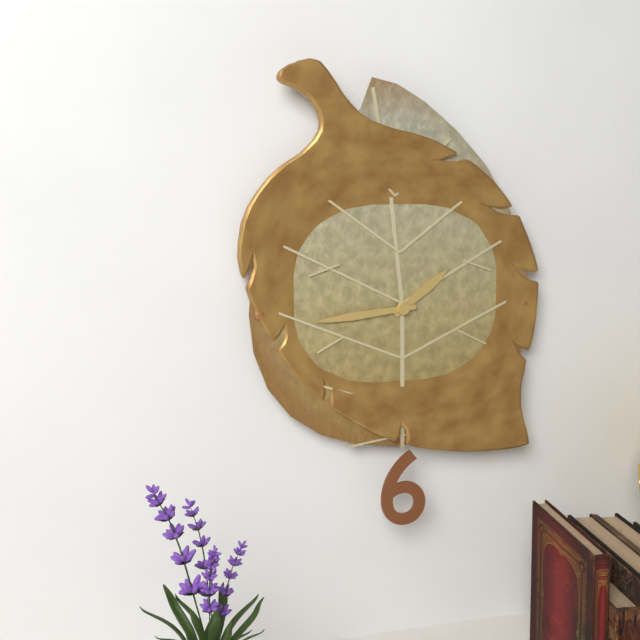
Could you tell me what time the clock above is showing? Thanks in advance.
1:44
